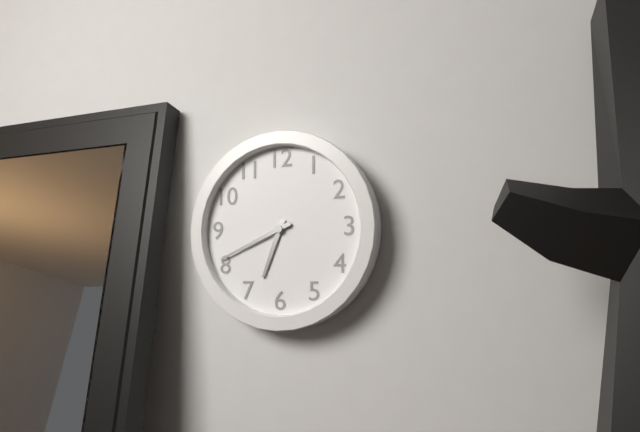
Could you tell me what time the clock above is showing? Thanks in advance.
6:41
